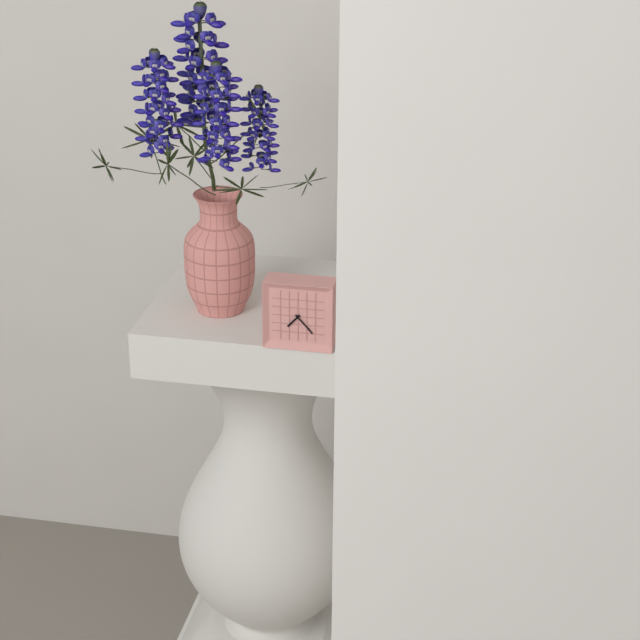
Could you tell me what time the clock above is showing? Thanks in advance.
7:23
